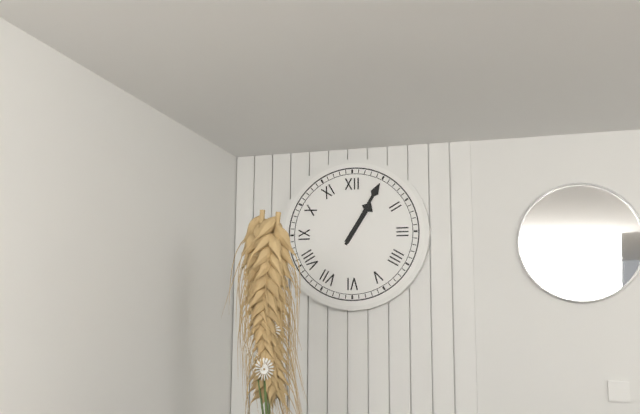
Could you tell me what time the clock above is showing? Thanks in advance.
1:05
